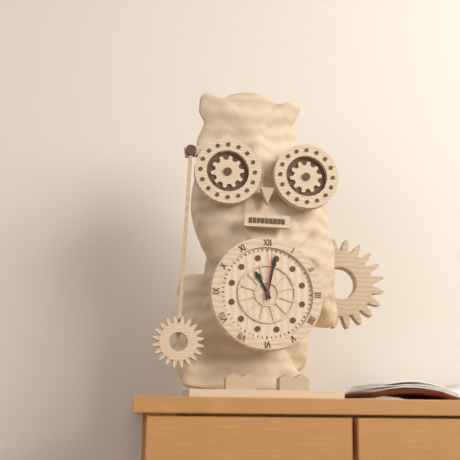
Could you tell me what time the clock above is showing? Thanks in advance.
11:02:01
